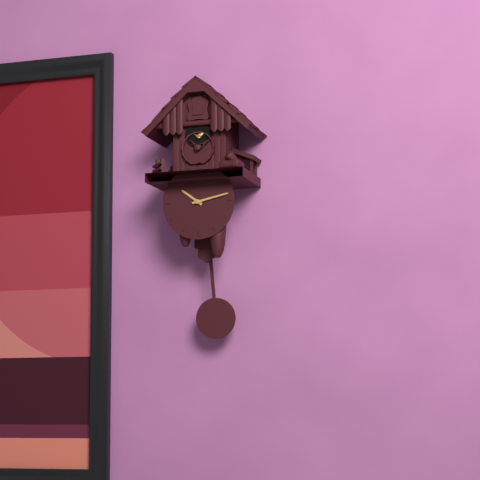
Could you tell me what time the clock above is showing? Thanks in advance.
10:13
